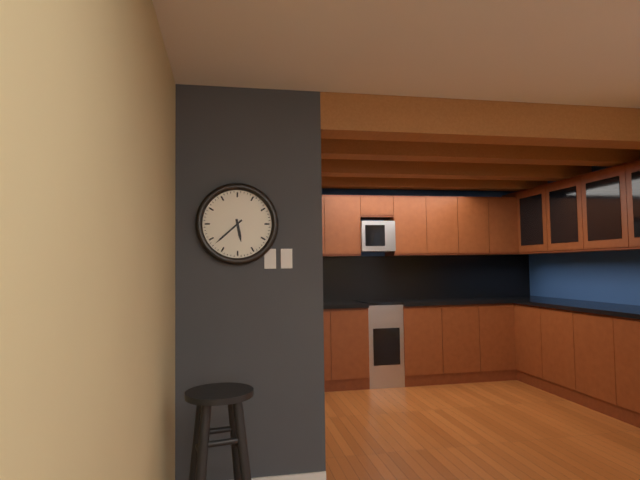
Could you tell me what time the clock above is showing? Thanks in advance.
5:38
